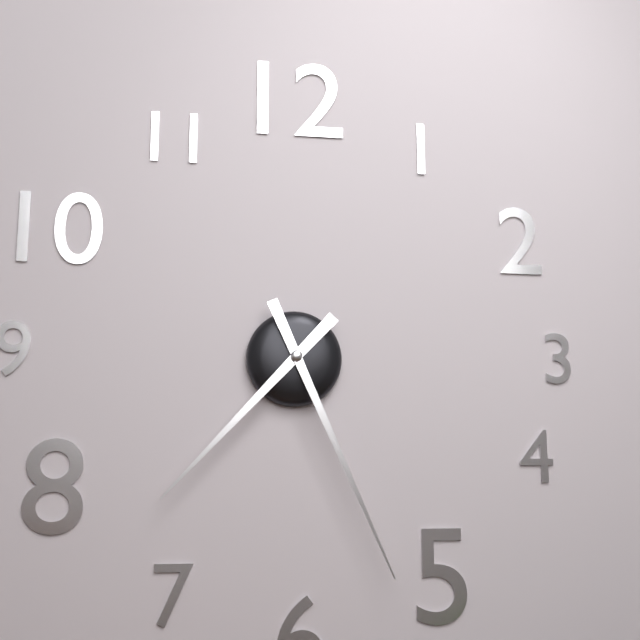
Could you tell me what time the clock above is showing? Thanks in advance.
7:26
